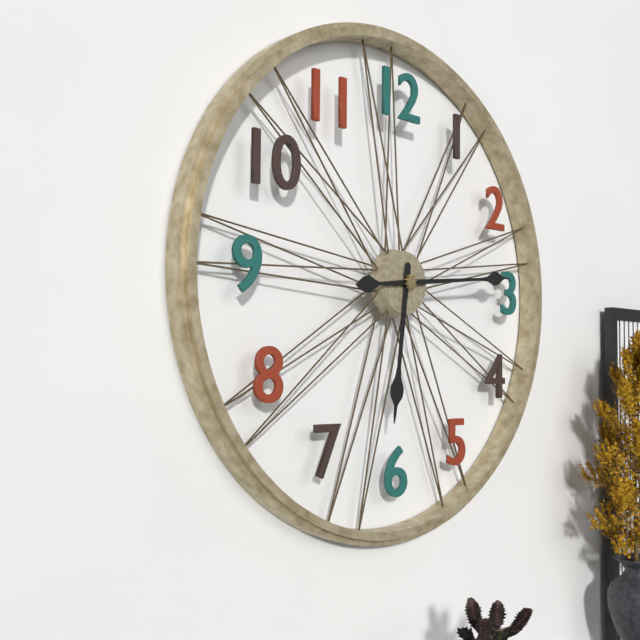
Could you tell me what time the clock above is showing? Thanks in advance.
6:14
